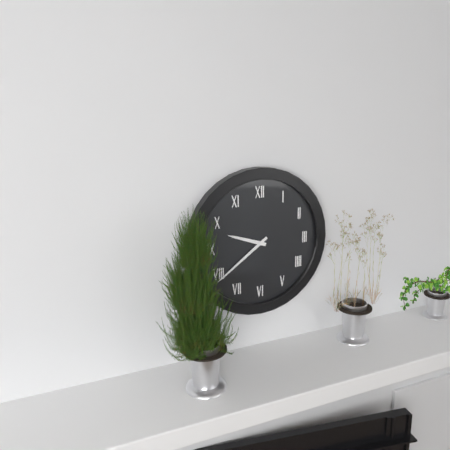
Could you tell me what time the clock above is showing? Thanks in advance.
9:39
